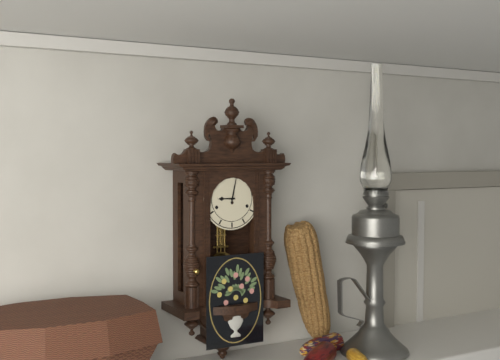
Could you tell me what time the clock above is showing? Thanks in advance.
9:02
